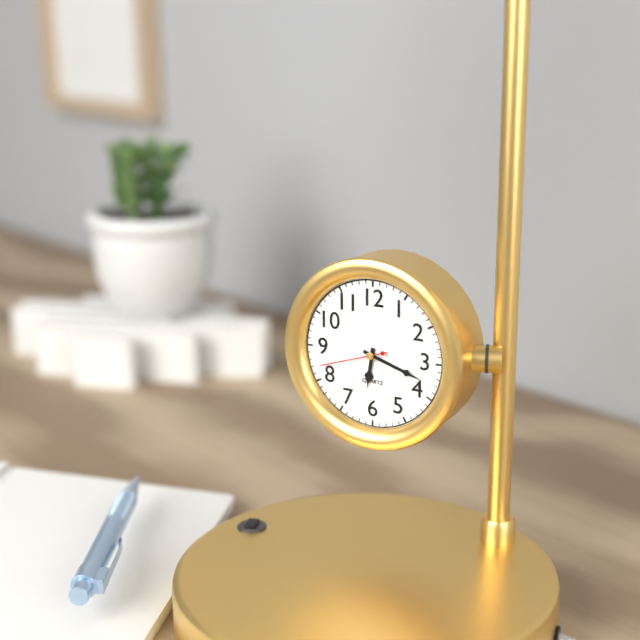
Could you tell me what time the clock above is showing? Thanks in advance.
6:18:42
